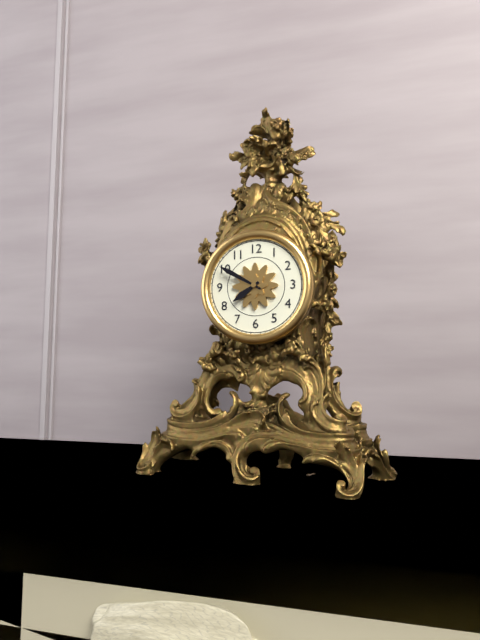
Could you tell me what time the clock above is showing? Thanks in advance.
7:50
